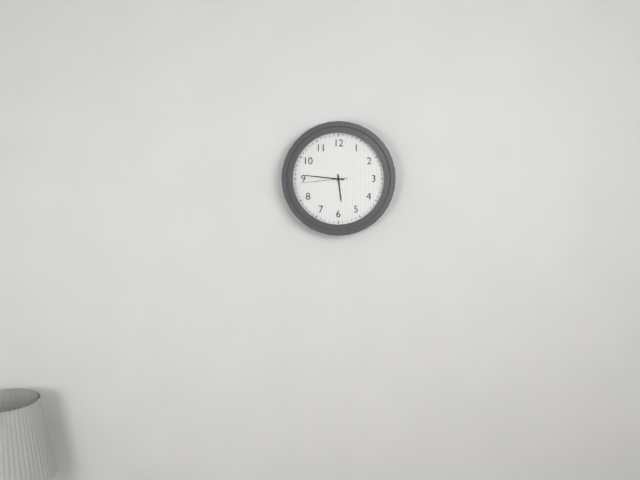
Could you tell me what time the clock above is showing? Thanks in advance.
5:46
